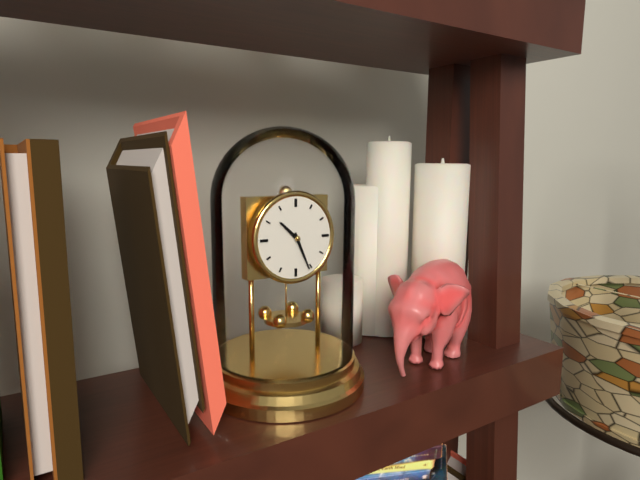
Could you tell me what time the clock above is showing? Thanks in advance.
10:26
